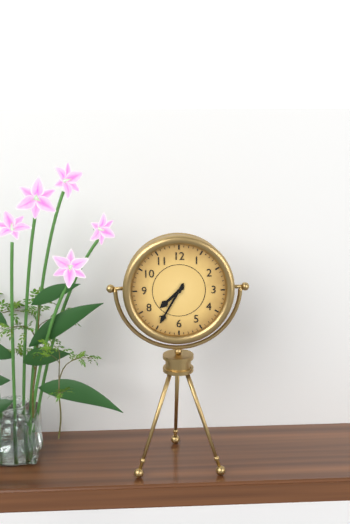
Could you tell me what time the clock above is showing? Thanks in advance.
7:35
